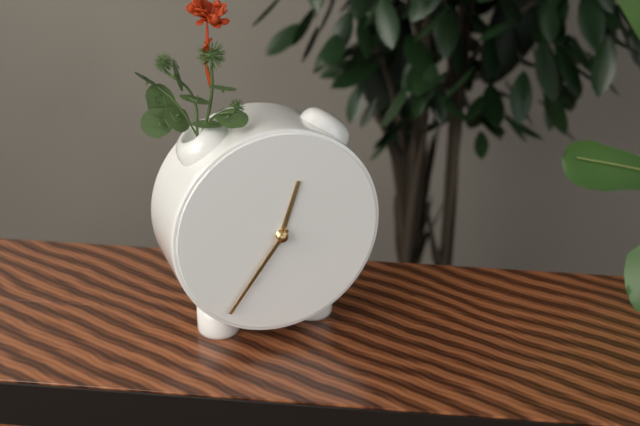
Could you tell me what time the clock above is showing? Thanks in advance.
12:36
